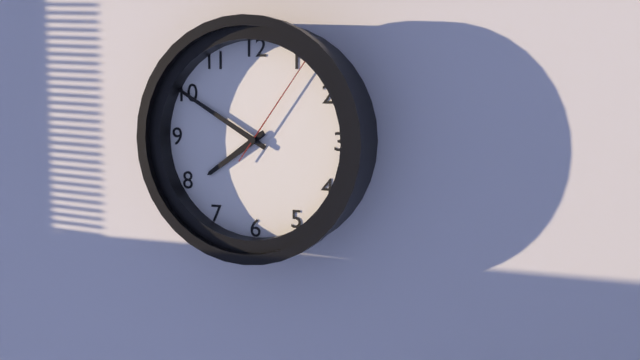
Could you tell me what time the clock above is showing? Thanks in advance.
7:50:06
